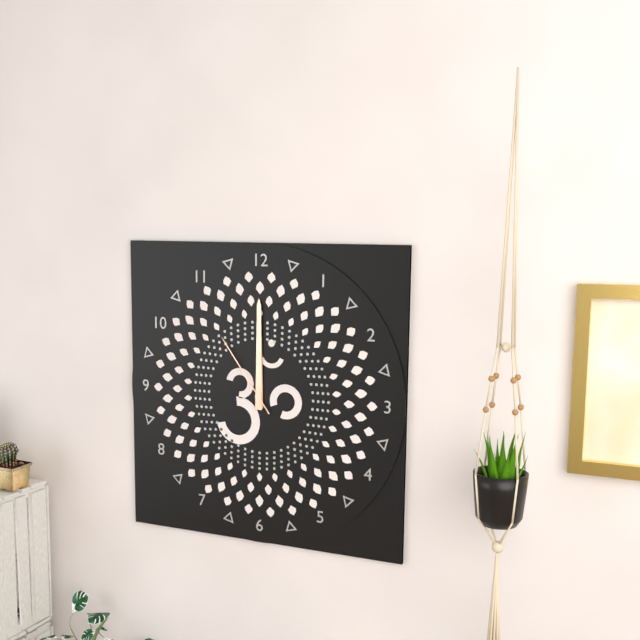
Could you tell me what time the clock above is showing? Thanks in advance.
12:00:54
